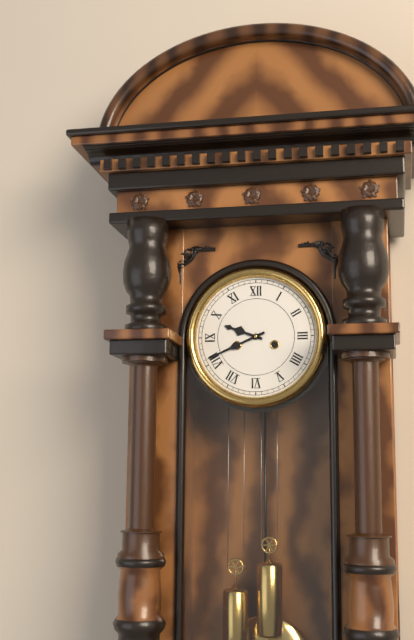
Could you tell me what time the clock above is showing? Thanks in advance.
9:41
